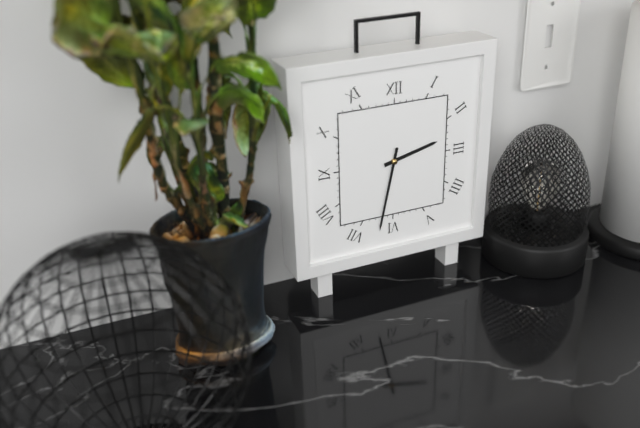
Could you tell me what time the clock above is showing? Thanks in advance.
2:32
